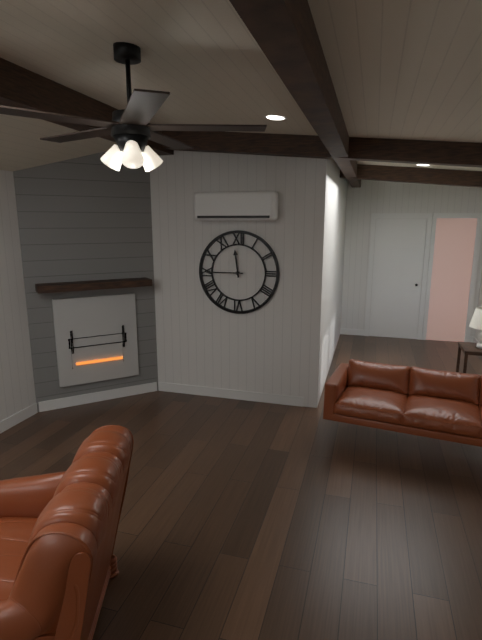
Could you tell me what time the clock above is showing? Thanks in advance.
11:45
